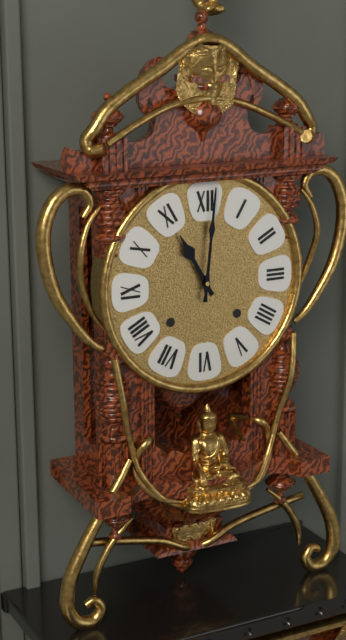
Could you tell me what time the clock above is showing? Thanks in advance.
11:01
